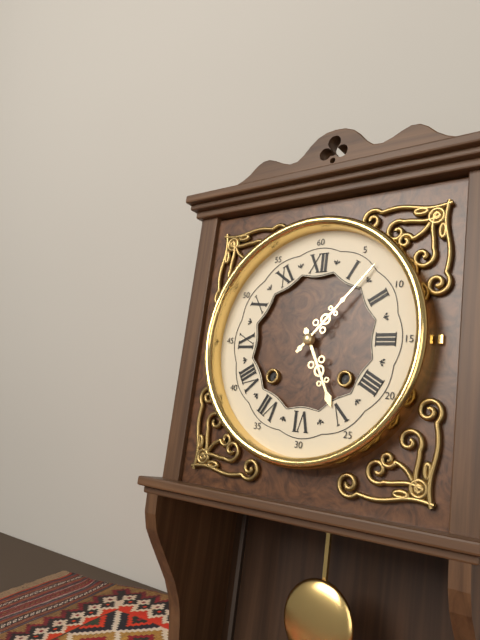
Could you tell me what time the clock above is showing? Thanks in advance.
5:07
